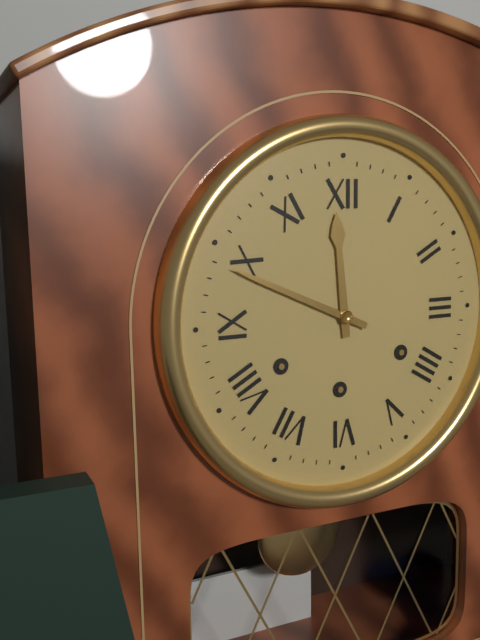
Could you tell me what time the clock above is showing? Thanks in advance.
11:49
